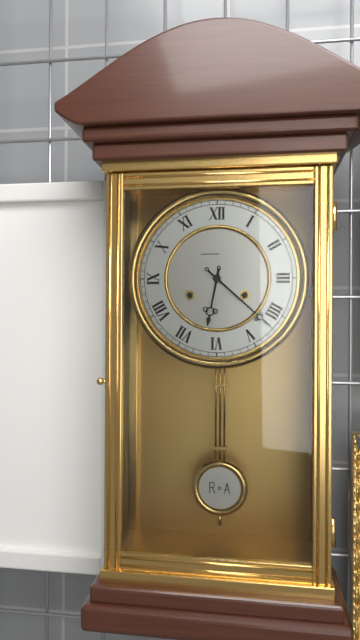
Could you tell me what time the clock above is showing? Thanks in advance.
6:22
